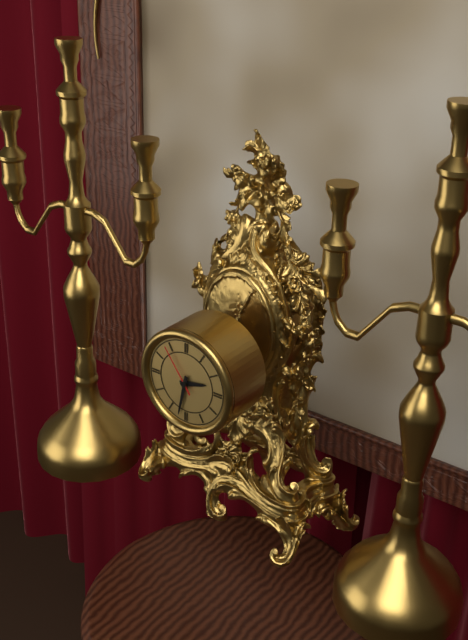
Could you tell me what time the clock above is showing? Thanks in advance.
2:32:54
